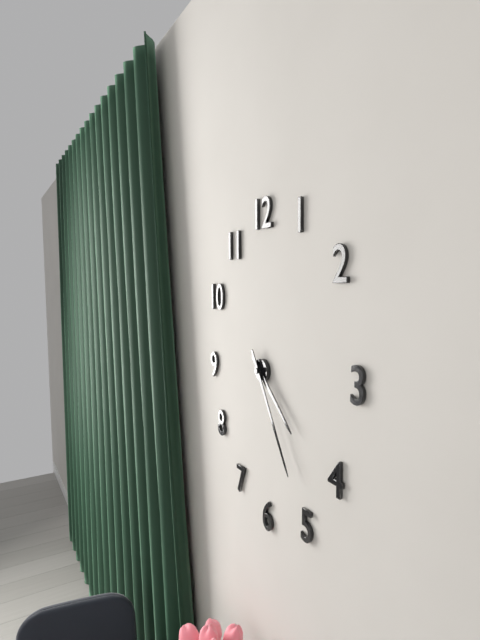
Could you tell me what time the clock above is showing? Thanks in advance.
4:25
